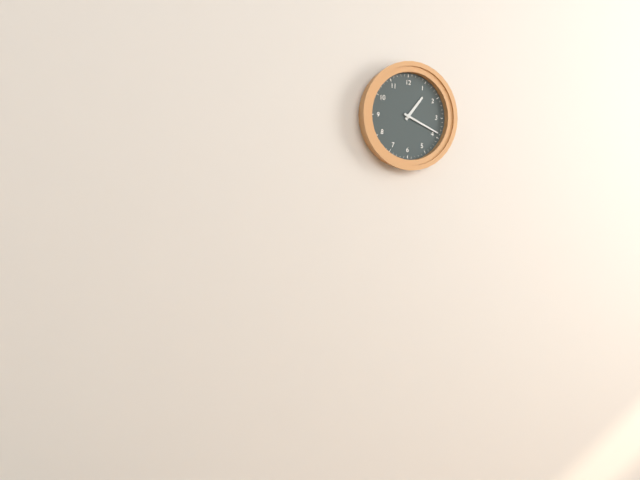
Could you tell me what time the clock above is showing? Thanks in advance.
1:19
